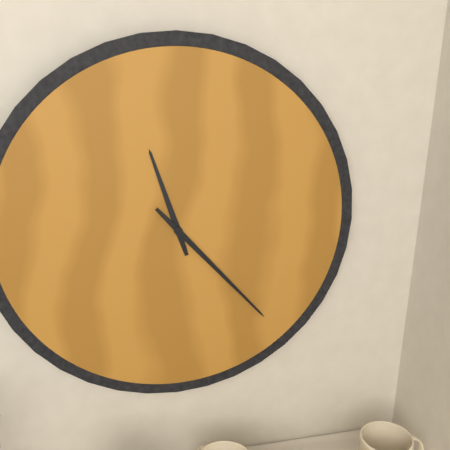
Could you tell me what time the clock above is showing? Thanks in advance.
11:23
